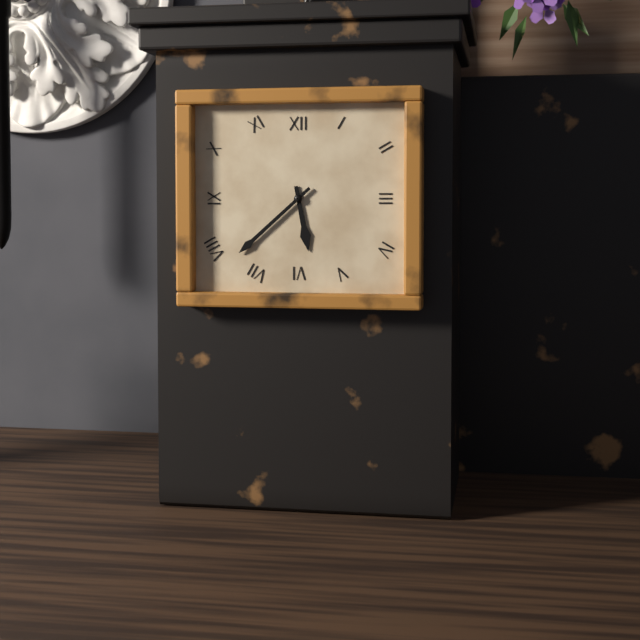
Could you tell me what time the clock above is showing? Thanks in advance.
5:38
